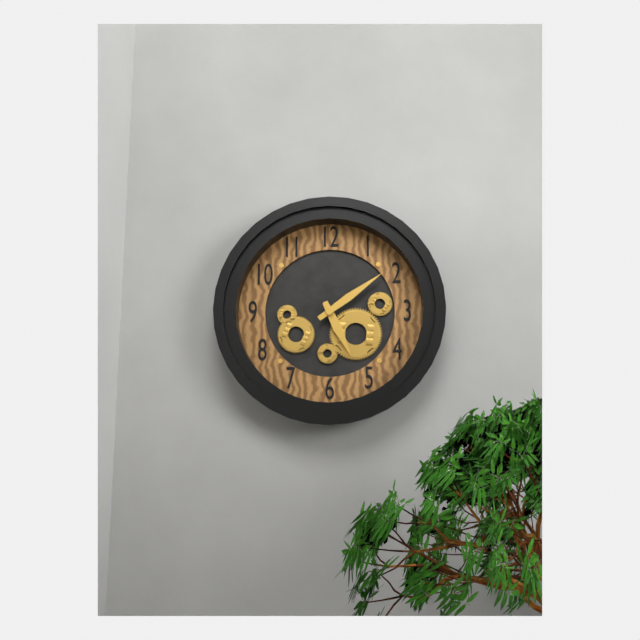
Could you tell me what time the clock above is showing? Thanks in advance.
5:09
